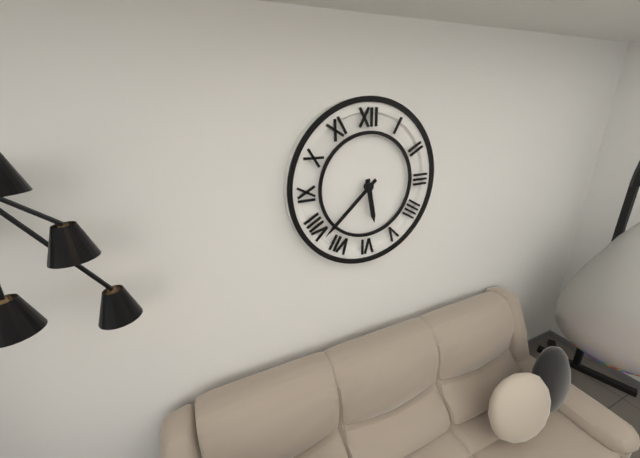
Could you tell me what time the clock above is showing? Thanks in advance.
5:38
